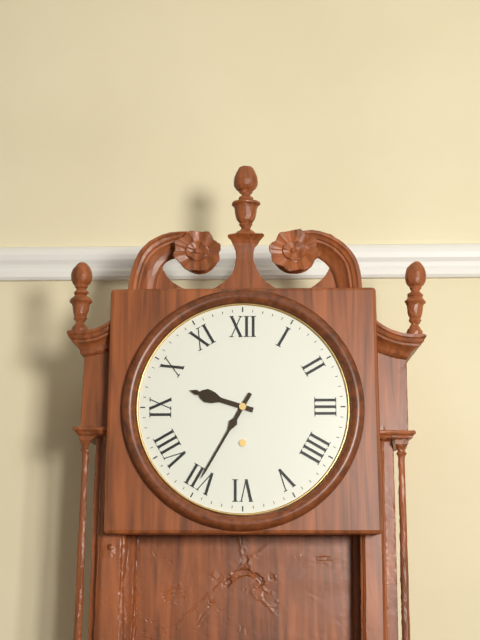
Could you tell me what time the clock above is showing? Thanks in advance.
9:35
